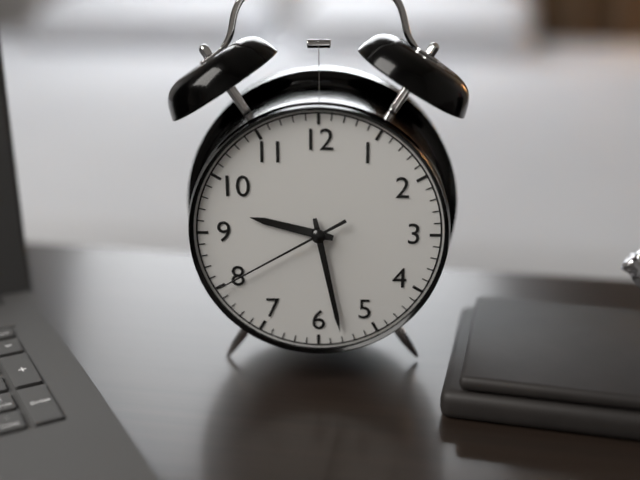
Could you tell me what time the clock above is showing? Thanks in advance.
9:28:40
